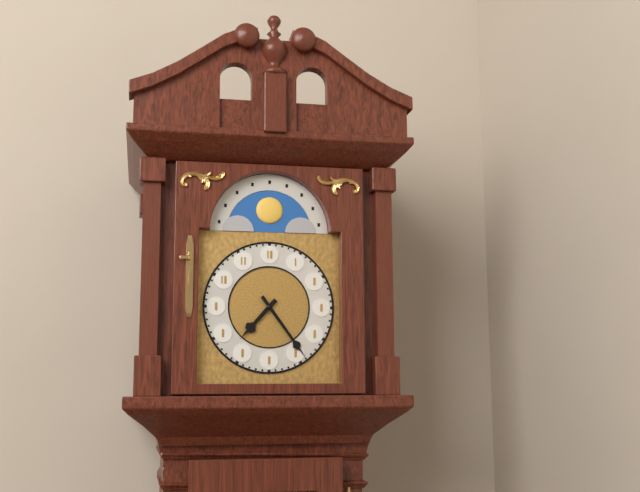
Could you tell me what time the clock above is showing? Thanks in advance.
7:24
